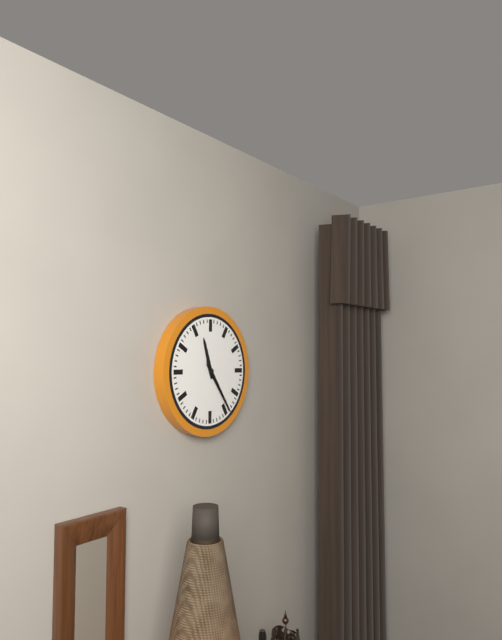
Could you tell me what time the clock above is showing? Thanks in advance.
11:24:24
